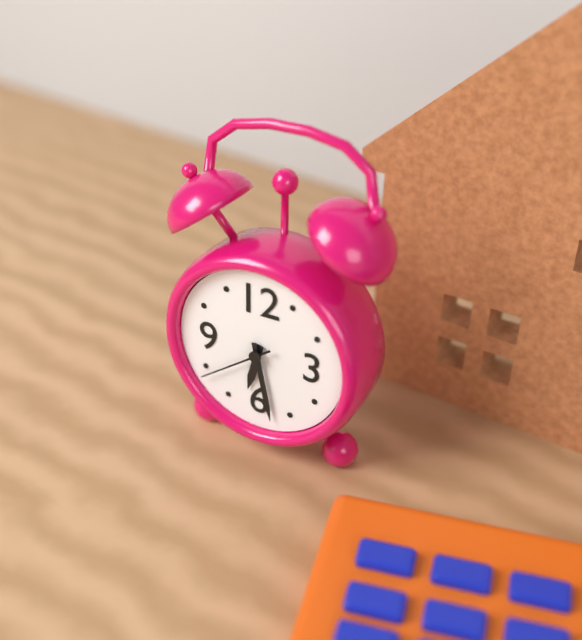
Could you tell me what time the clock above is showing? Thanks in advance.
6:28:39
